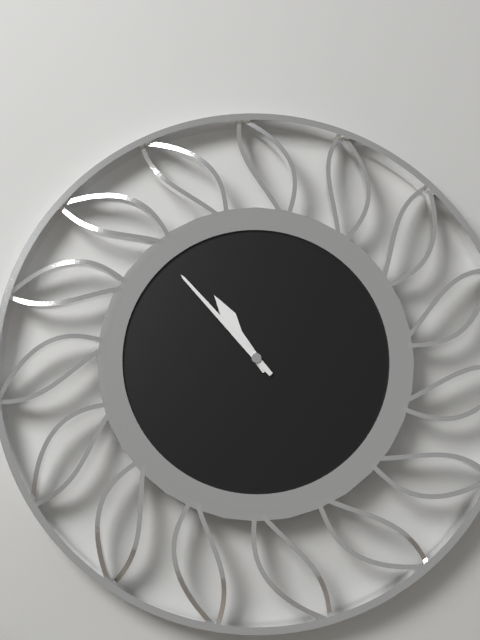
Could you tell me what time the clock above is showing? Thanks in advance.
10:53
